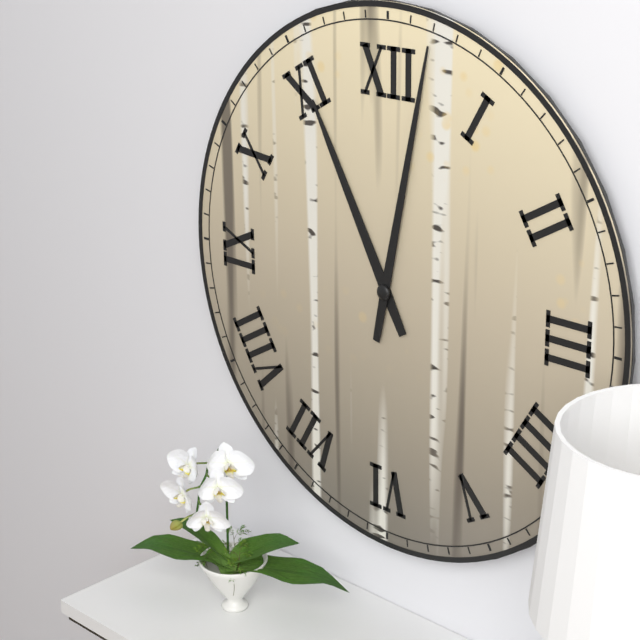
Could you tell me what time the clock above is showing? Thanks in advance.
11:02
